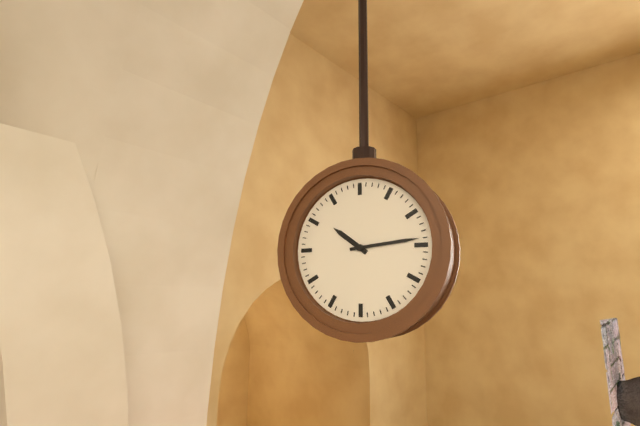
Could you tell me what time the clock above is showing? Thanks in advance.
10:14
